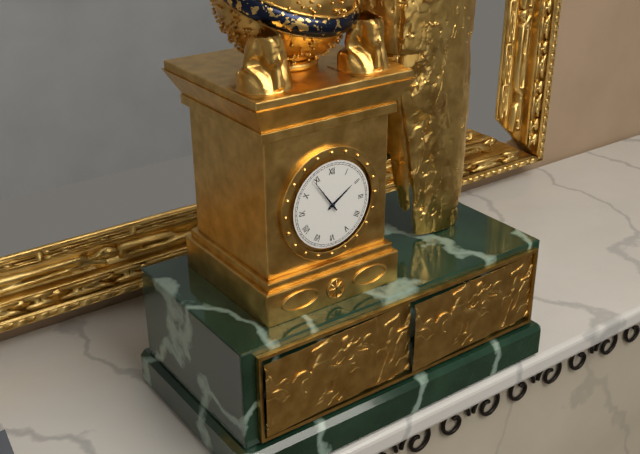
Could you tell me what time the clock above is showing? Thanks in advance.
1:54
